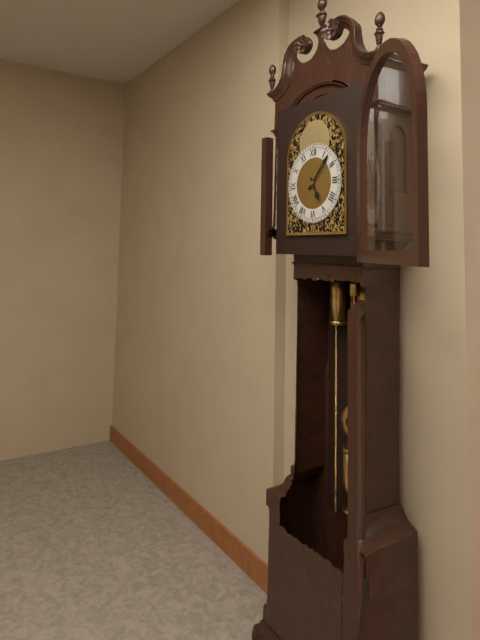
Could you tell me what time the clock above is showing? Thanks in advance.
5:07
